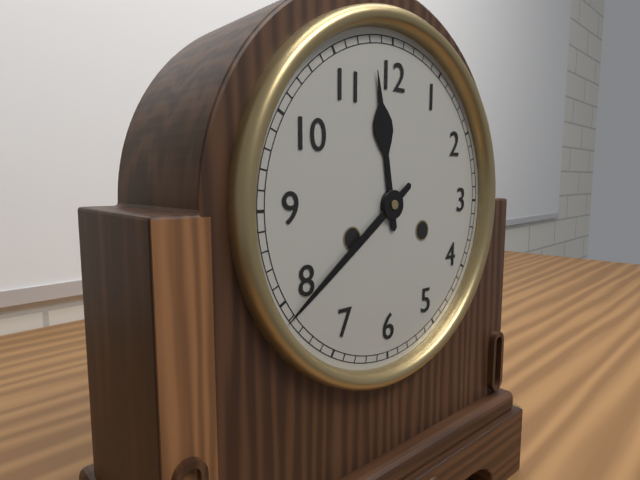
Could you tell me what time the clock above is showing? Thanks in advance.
11:39
